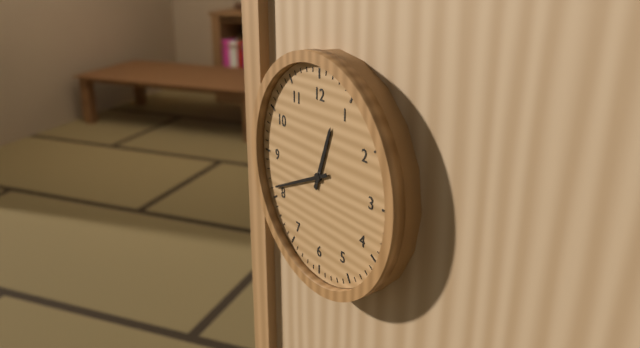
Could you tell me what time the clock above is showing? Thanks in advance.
12:41
